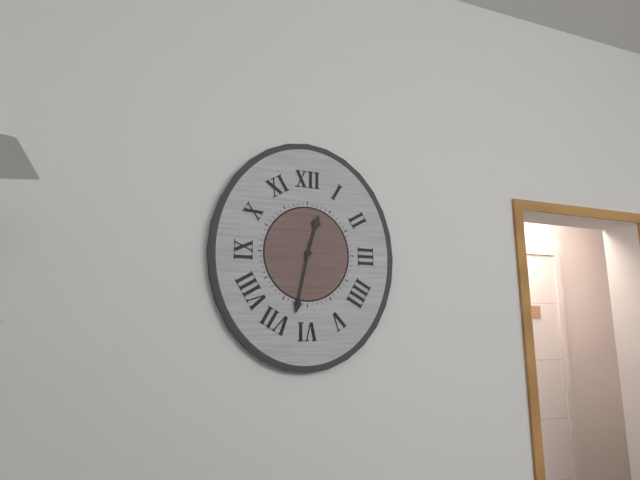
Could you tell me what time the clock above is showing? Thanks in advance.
12:32
